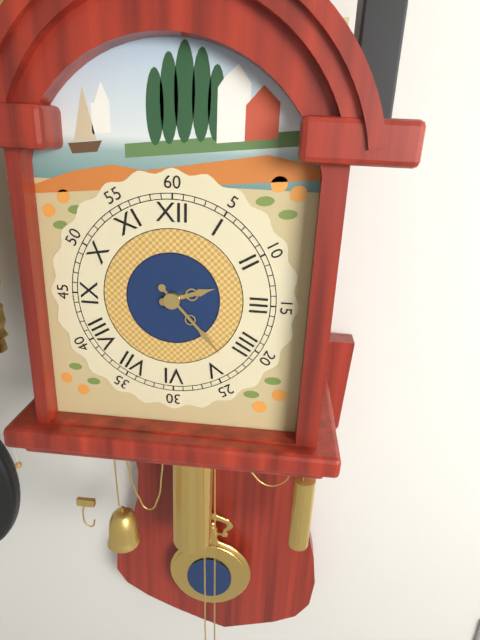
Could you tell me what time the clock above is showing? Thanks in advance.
2:23
